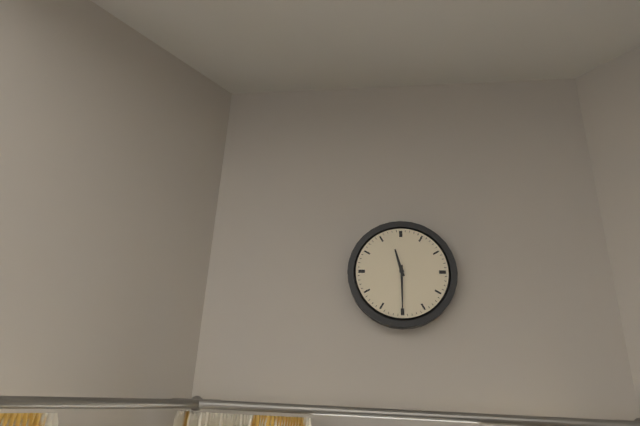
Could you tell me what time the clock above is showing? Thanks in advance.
11:30
